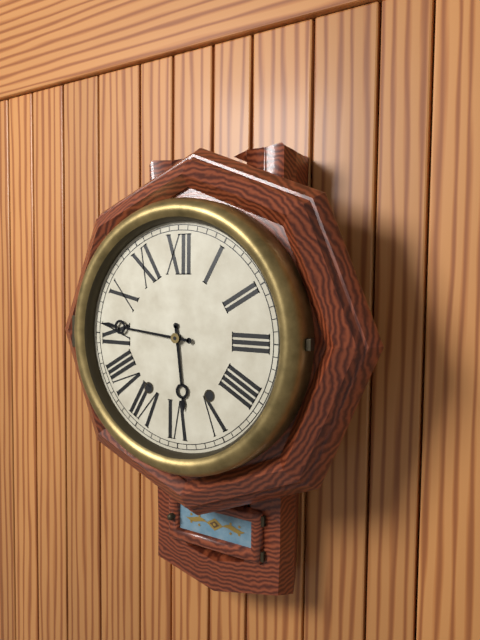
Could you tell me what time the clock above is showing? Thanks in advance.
5:46
